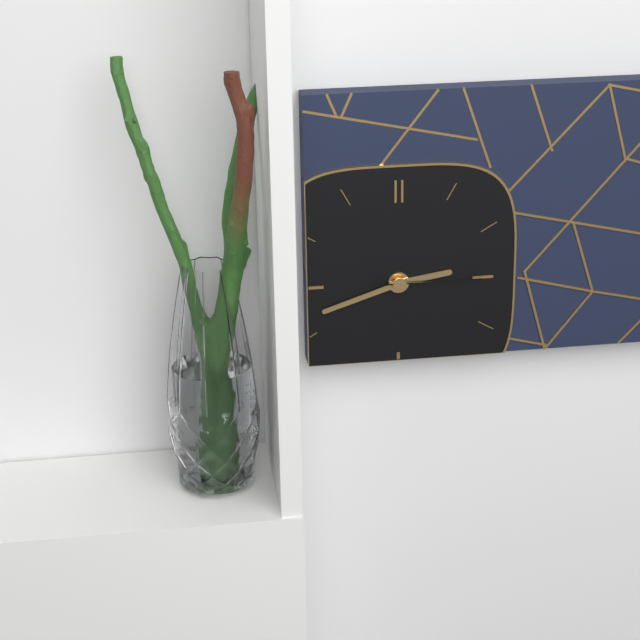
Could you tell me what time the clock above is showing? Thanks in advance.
2:42:15
